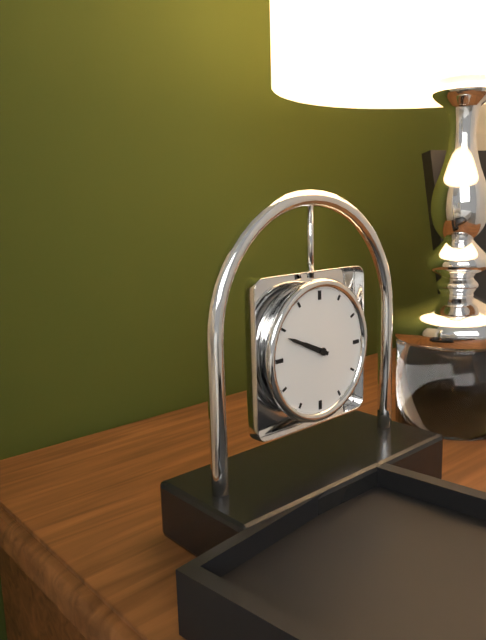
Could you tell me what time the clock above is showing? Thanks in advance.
9:49
